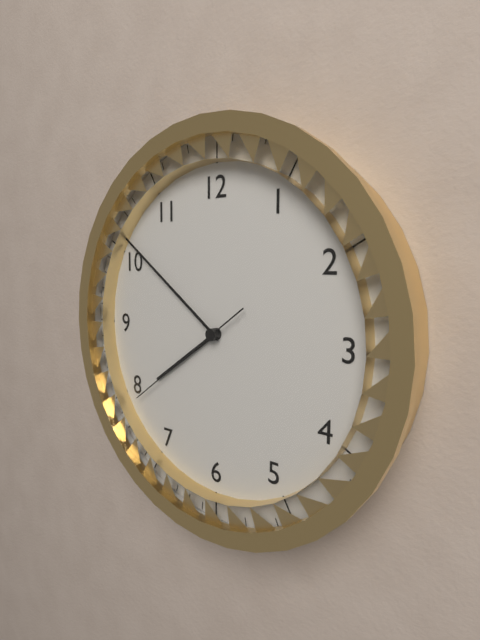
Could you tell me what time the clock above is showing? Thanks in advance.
7:51:39
